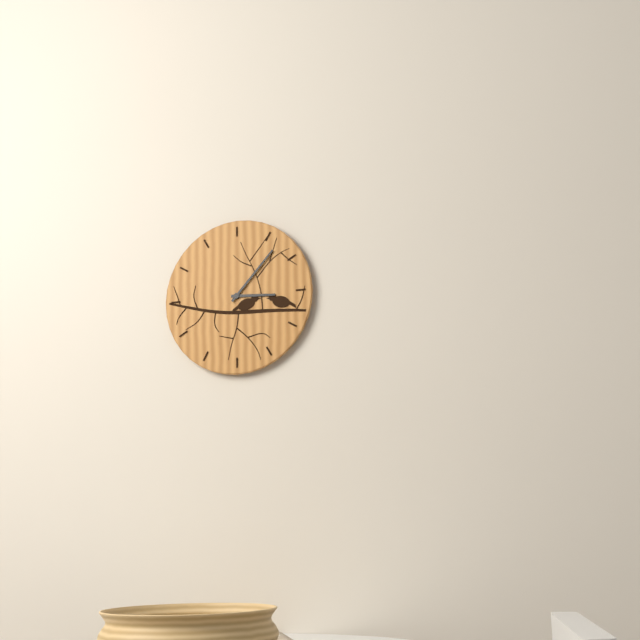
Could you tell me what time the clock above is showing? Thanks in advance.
3:07
